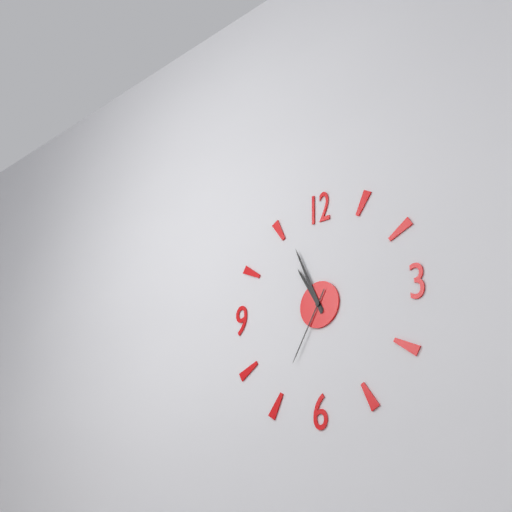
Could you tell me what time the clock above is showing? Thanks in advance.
10:56:35
